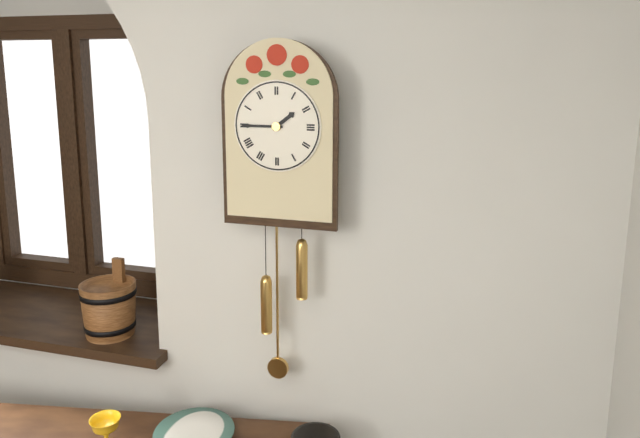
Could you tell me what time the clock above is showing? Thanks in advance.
1:45
